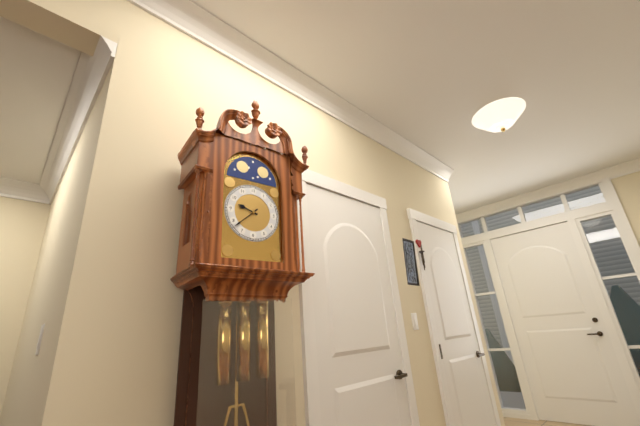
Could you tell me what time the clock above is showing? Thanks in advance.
9:38
